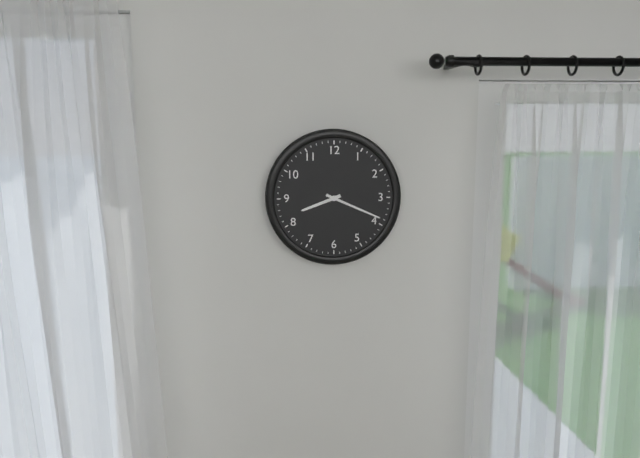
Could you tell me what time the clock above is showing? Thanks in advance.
8:19
